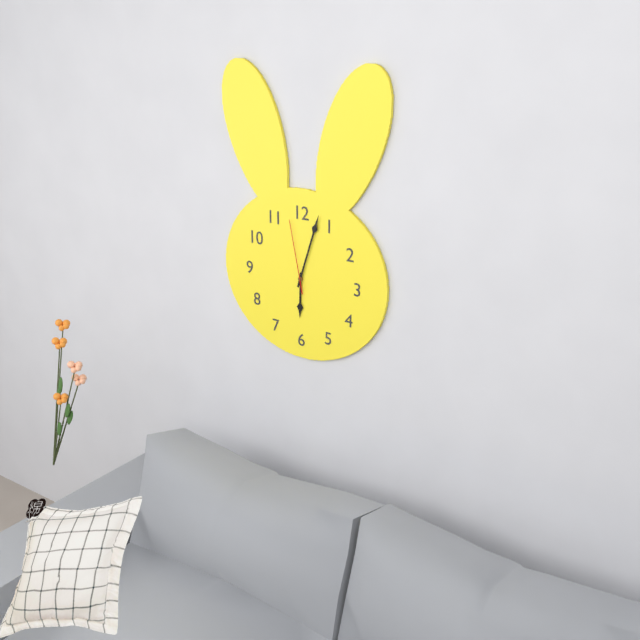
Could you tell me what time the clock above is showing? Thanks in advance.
6:03:58
